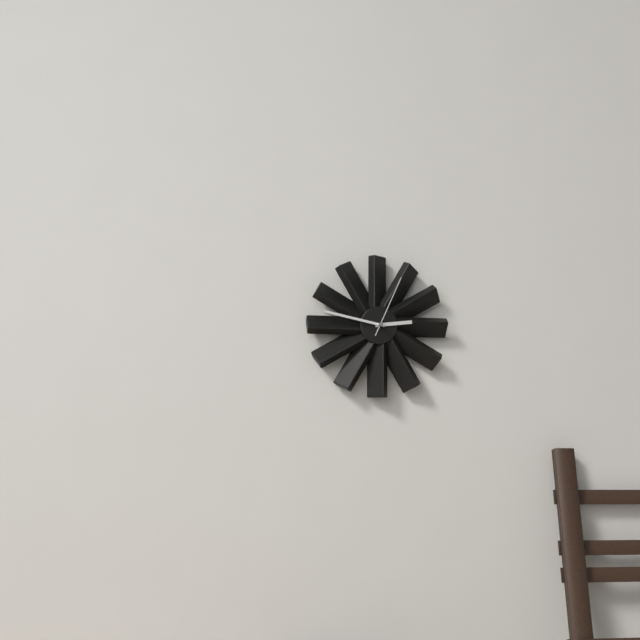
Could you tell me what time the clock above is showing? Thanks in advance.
2:47:04
